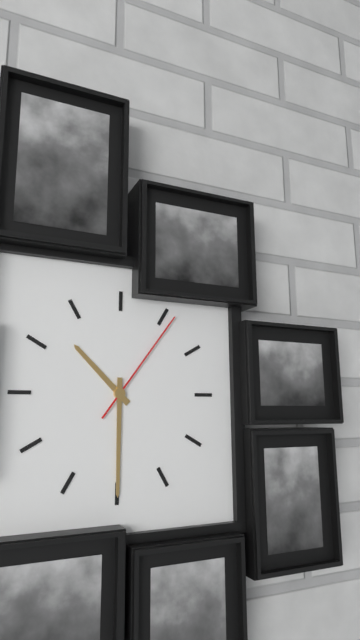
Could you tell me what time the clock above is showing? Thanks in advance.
10:30:06
